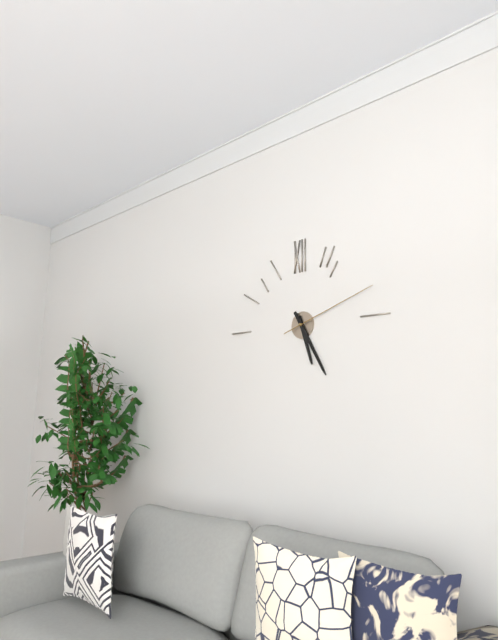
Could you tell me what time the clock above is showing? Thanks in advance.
5:25:12
